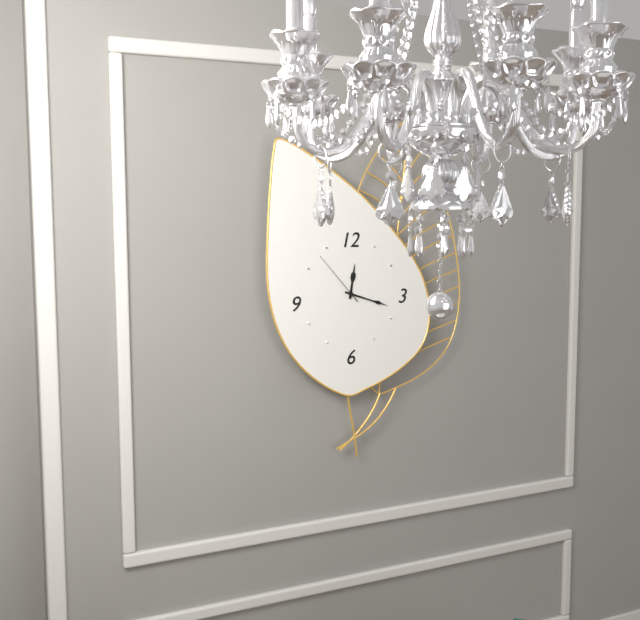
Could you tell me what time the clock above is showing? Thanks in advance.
12:18:53
